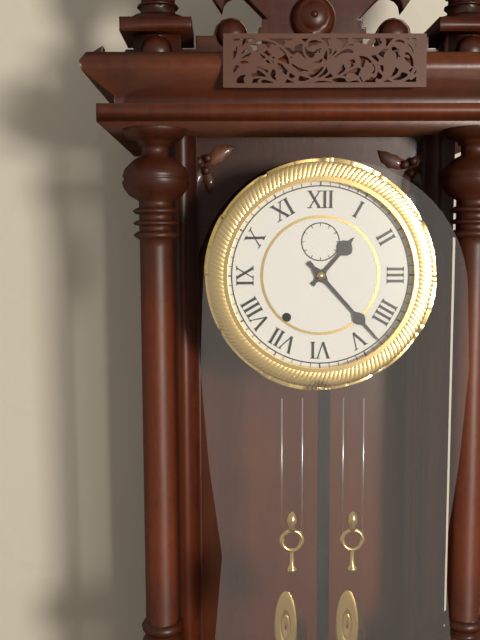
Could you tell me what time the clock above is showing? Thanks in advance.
1:23
